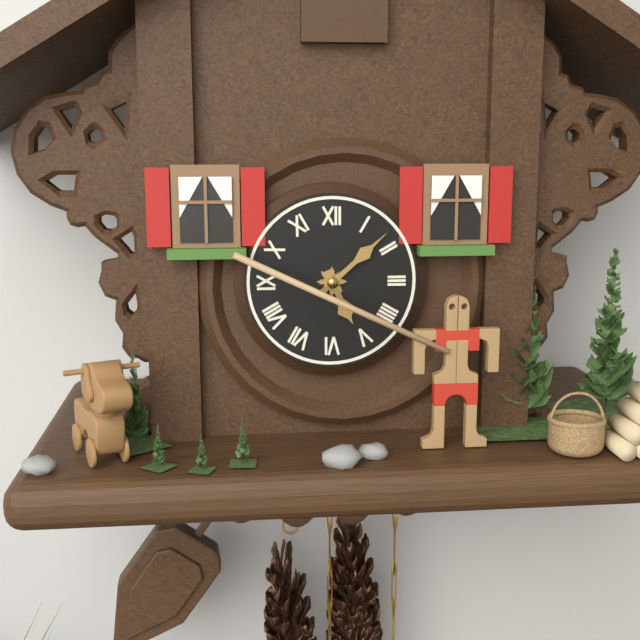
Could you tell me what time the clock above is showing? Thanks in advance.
5:08
